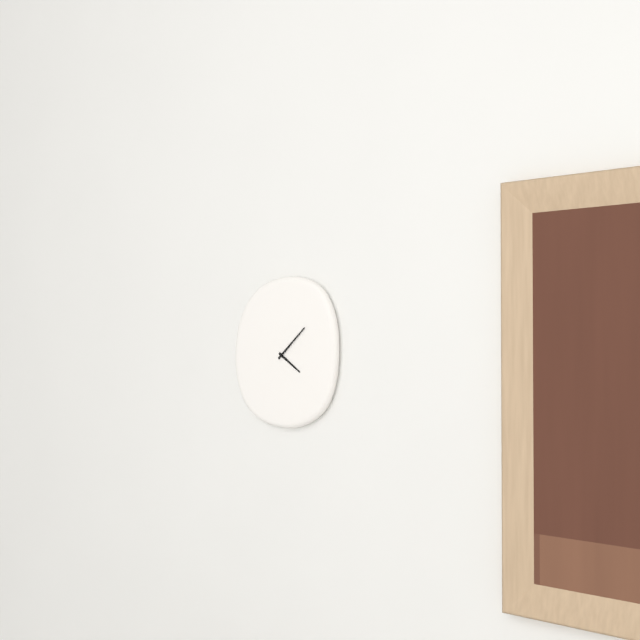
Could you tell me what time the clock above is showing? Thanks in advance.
4:08
